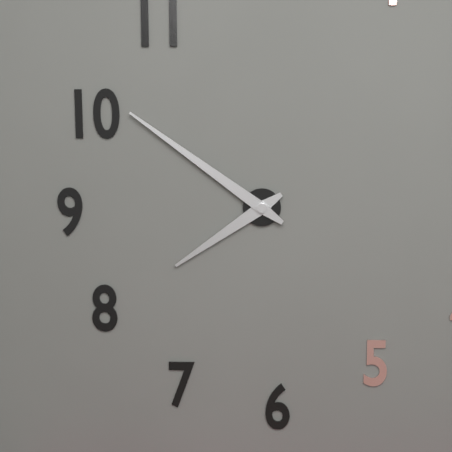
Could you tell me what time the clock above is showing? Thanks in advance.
7:51
